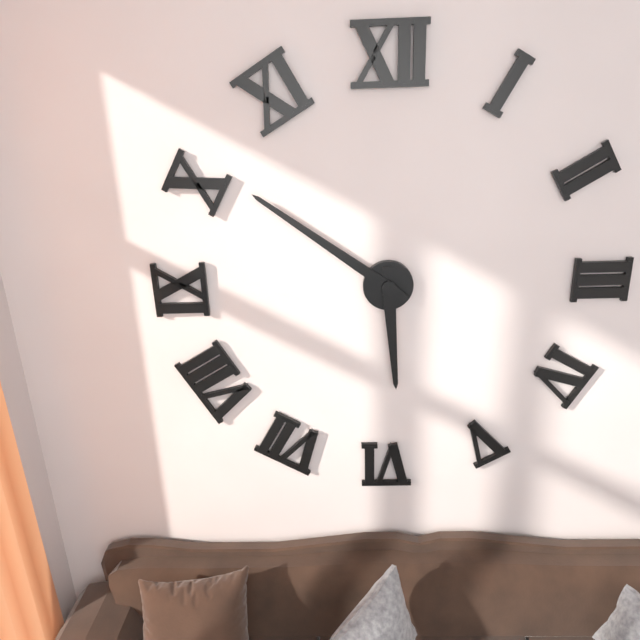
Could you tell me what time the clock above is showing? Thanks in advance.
5:51
